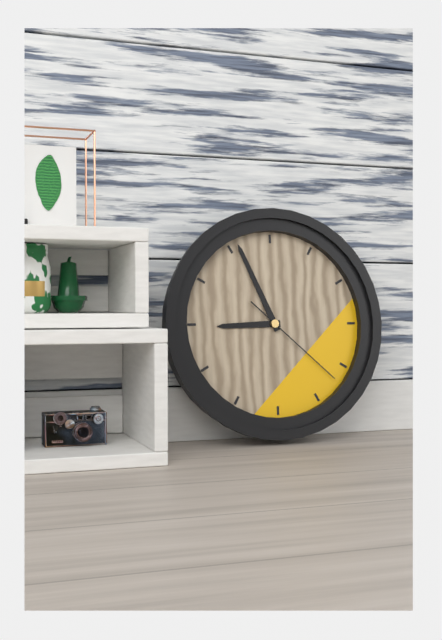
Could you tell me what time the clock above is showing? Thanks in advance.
8:56:22
